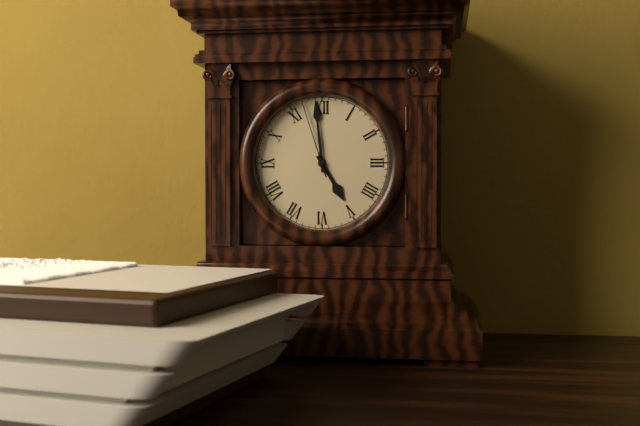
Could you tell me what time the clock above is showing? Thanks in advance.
4:59:57
